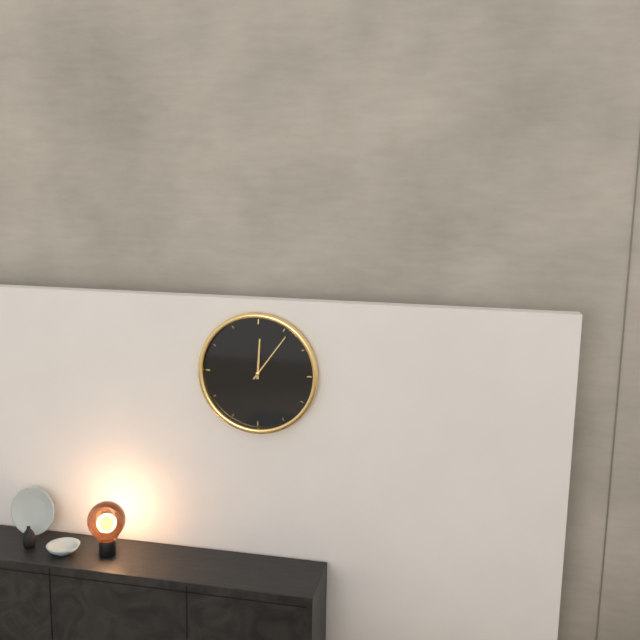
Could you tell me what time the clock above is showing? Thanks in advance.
12:06
